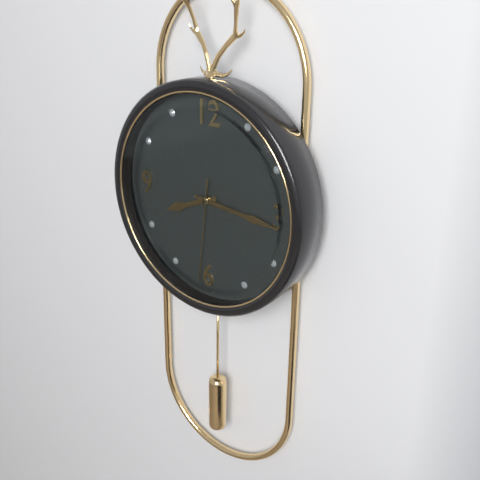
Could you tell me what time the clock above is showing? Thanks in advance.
8:16:31
